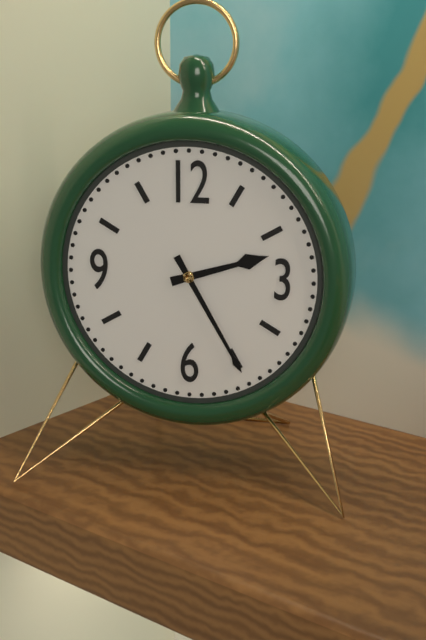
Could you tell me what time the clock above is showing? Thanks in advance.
2:25
